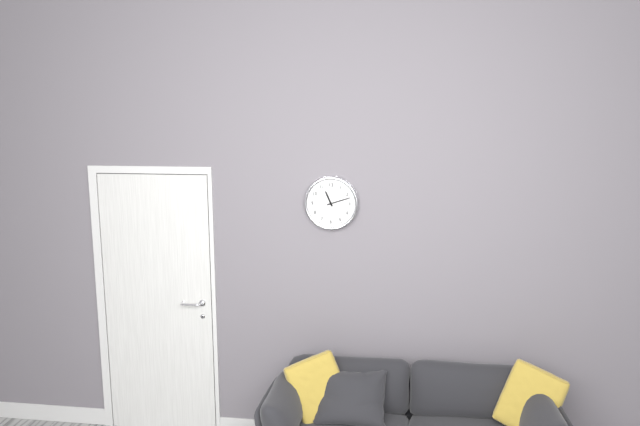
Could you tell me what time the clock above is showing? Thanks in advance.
11:12
